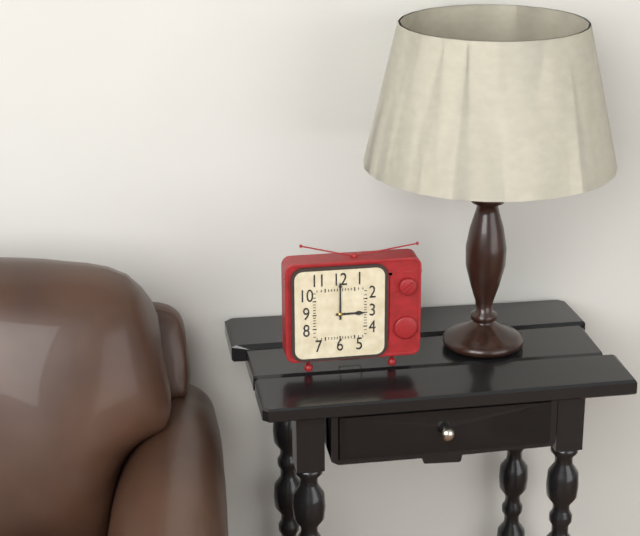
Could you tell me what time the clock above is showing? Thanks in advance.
3:00
